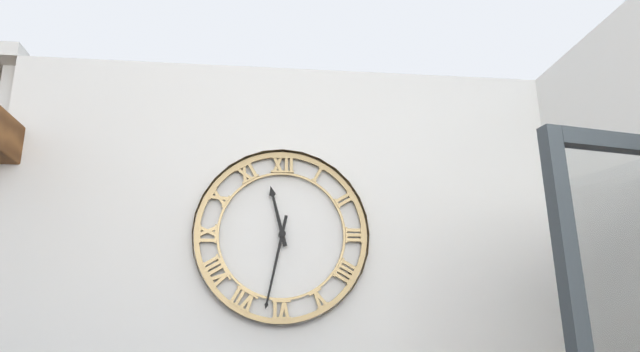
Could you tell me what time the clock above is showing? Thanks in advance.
11:32
